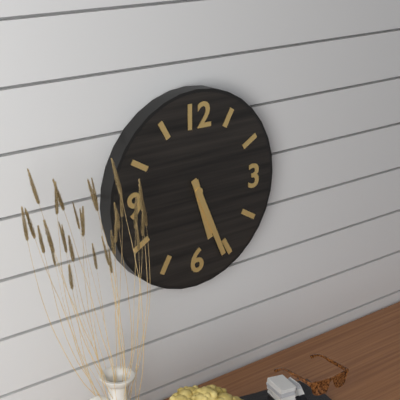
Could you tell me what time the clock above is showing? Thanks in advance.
5:26
